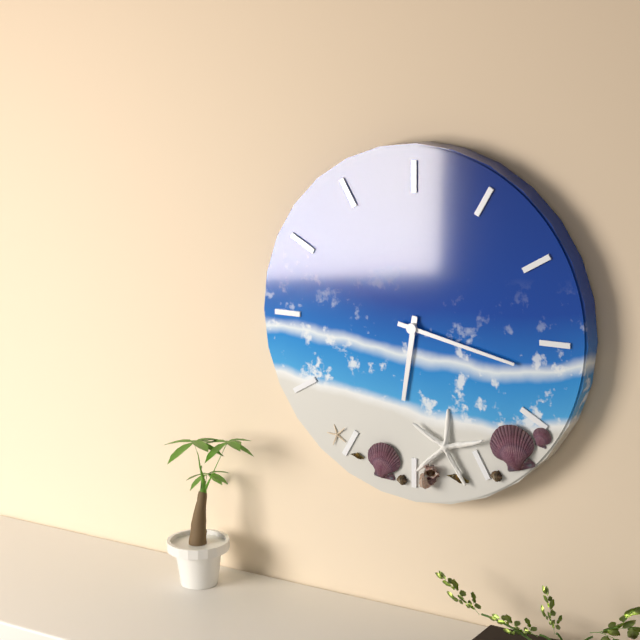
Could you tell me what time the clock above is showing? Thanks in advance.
6:17
